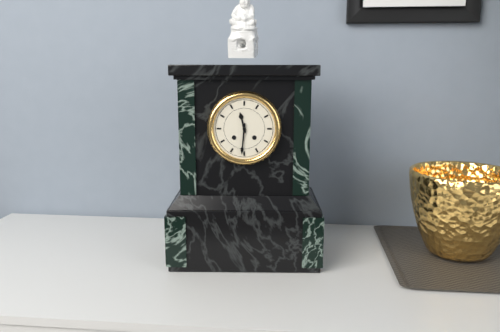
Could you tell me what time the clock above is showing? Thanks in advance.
11:31
